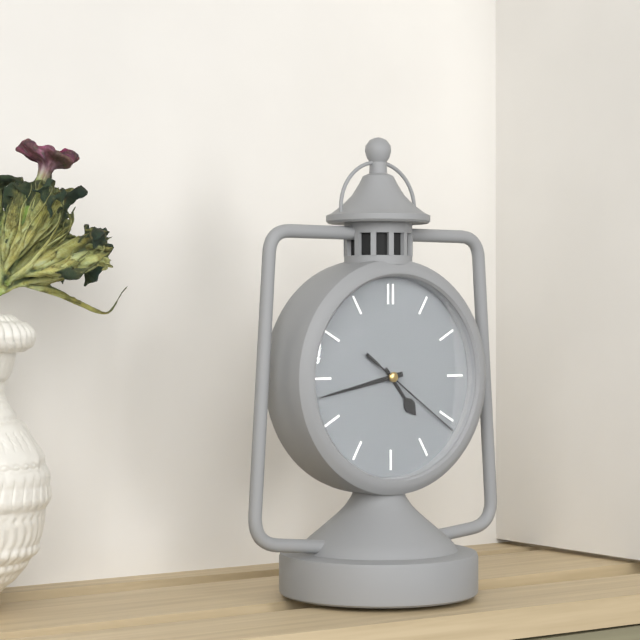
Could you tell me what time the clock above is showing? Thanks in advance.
4:43:21
